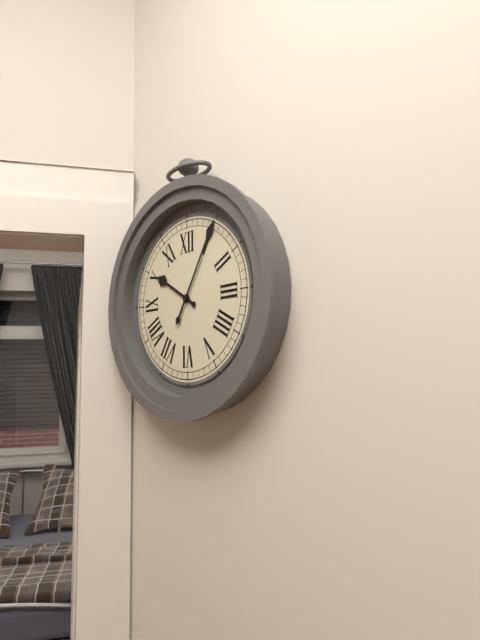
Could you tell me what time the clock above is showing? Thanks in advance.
10:05
